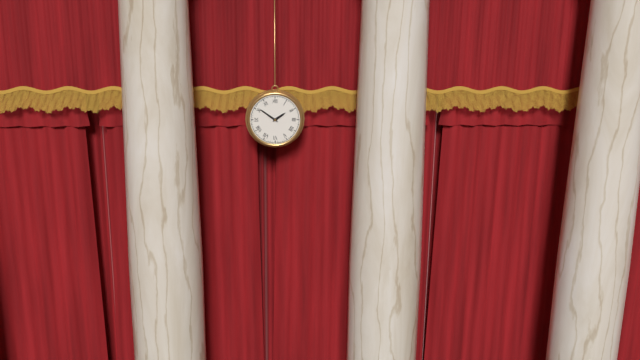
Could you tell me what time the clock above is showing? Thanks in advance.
1:51
